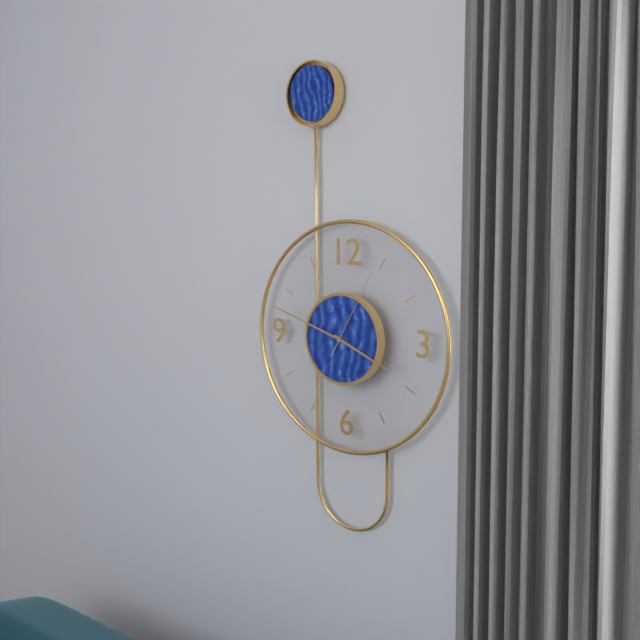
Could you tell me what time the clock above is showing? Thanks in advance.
3:48:05
